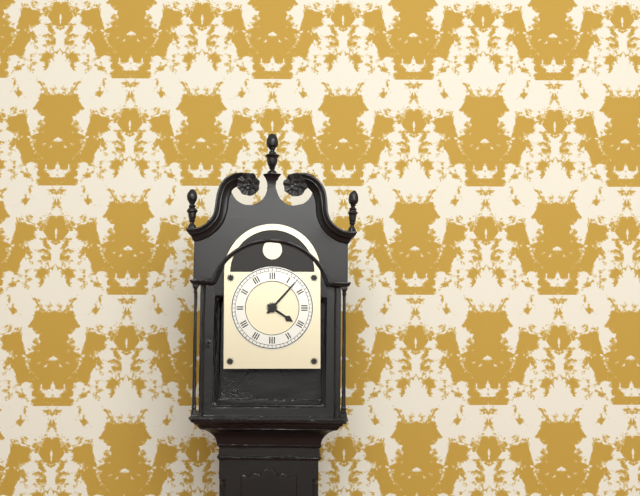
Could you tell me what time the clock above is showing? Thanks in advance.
4:07
